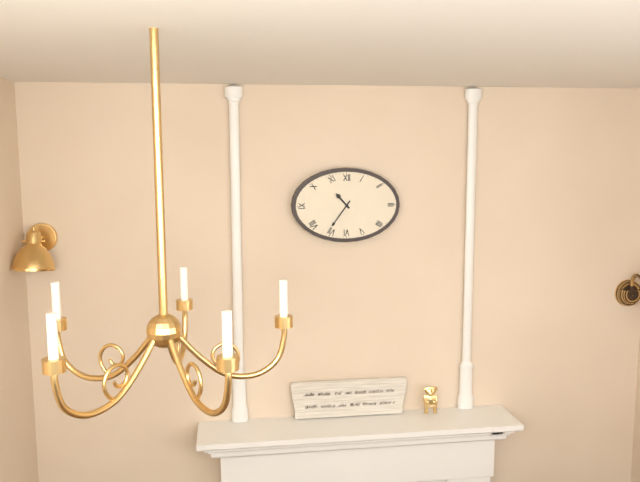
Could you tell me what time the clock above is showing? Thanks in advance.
10:36
